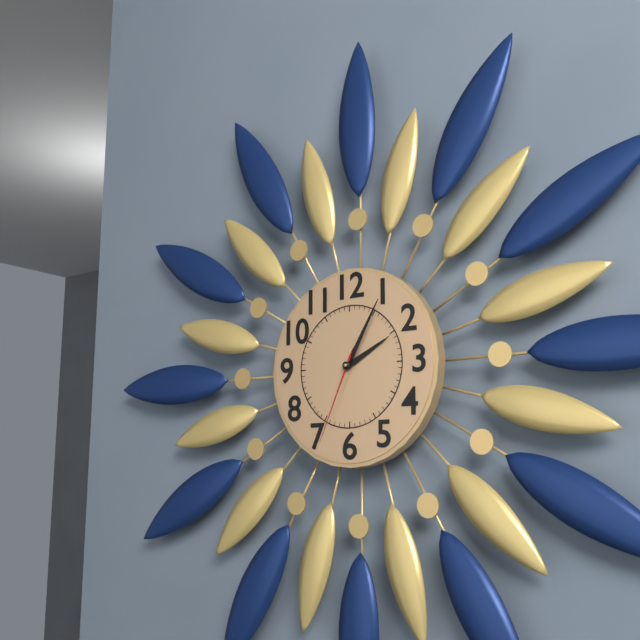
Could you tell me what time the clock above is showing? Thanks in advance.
2:05:34
